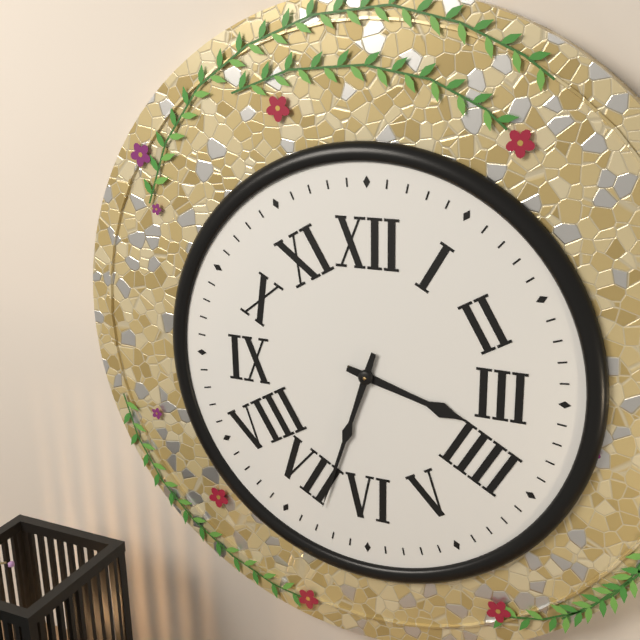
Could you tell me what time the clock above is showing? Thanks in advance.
3:33
